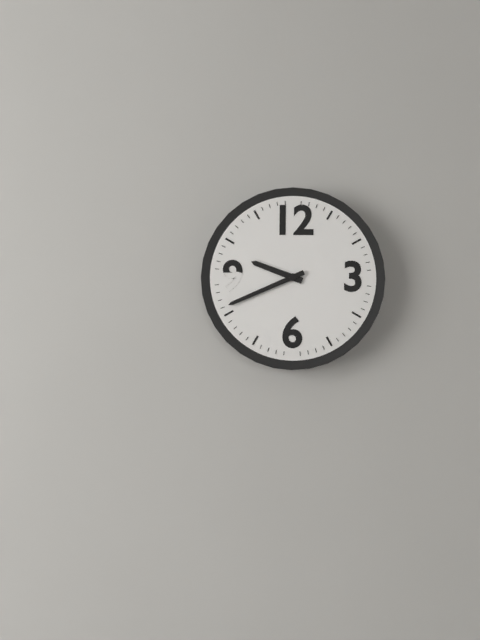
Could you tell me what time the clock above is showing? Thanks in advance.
9:41
